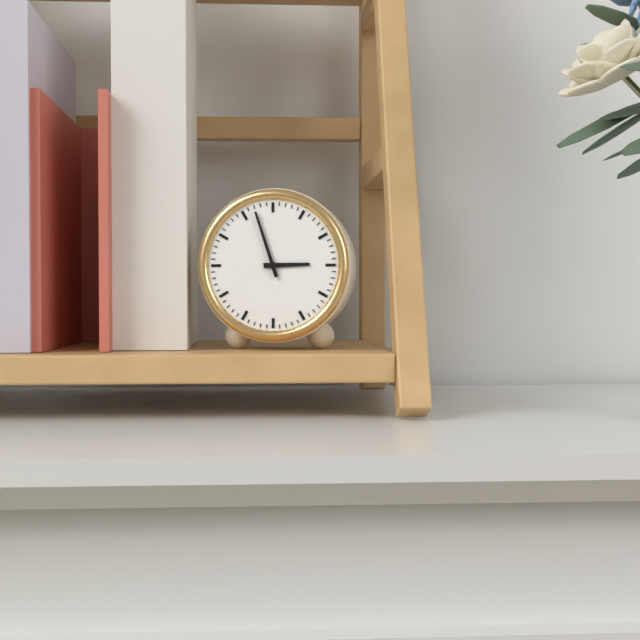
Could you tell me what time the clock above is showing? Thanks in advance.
2:57
